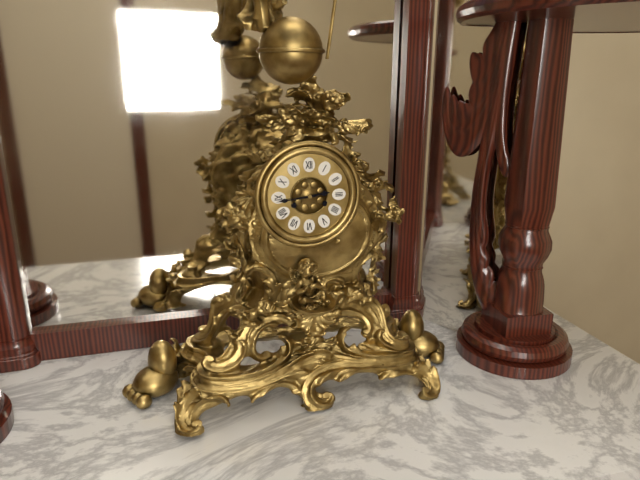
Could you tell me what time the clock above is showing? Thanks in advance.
2:44
